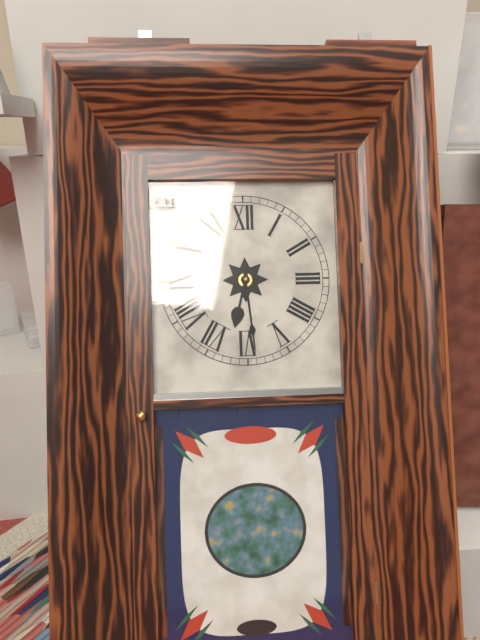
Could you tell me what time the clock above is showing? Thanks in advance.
6:29
